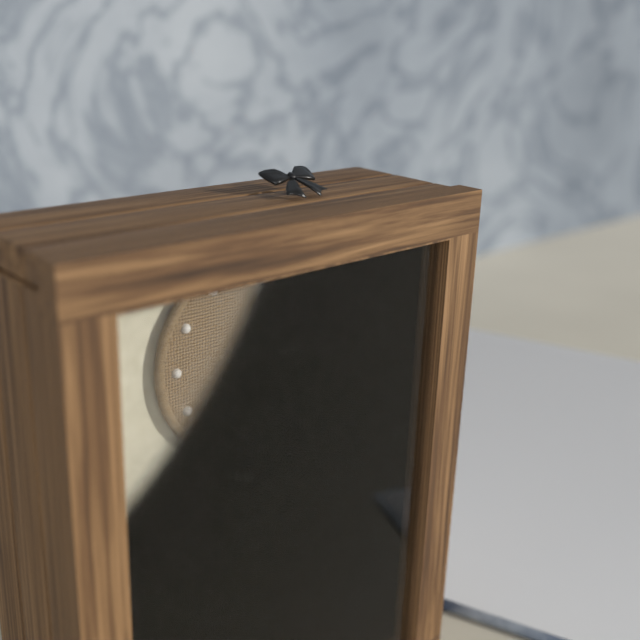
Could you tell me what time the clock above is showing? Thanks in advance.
1:03
